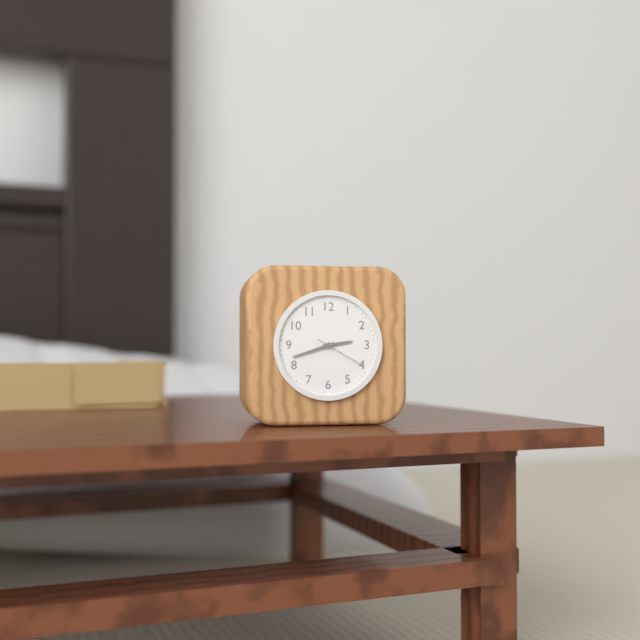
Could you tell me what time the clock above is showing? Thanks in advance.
2:42:20
